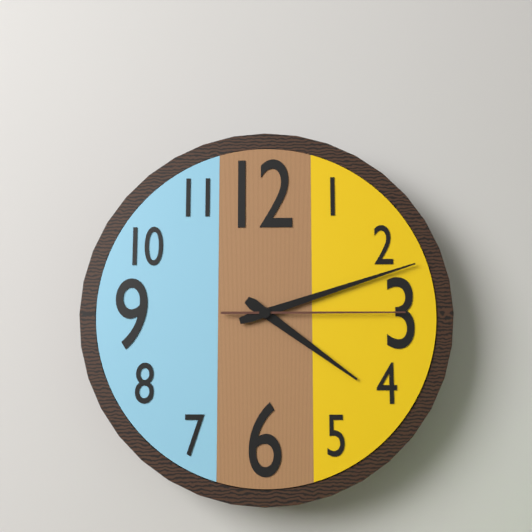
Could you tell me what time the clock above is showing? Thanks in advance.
4:12:15
